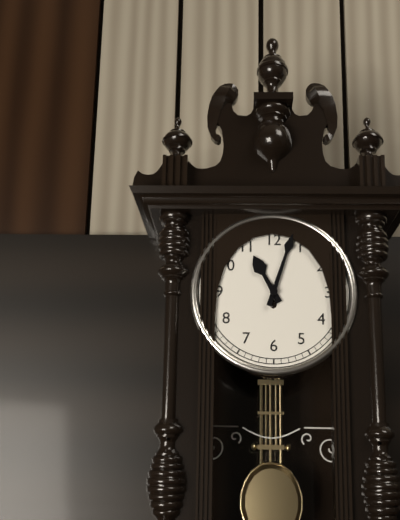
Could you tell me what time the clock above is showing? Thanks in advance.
11:03
